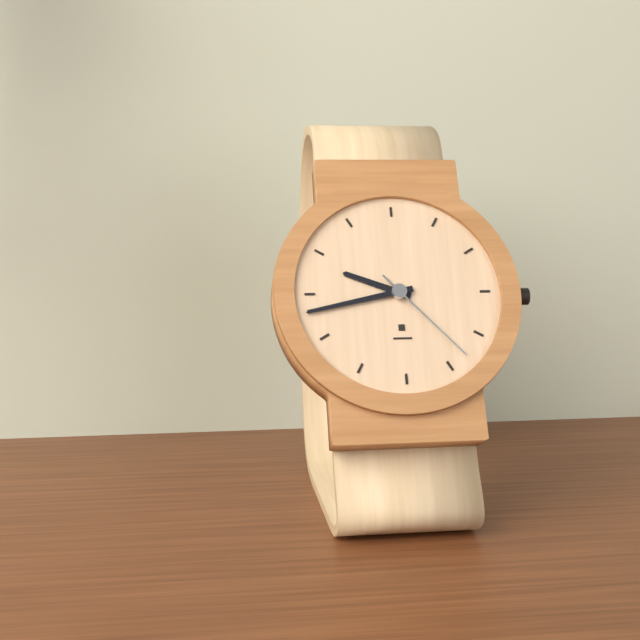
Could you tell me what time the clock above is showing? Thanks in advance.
9:43:23
